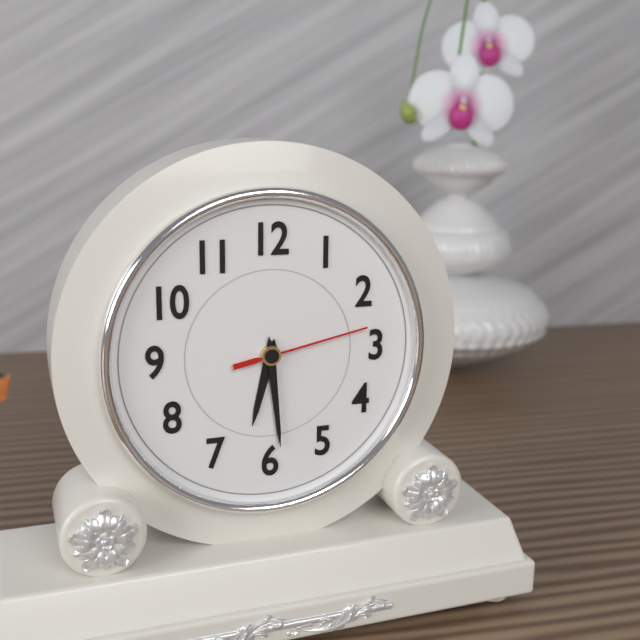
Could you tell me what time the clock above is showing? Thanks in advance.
6:29:13
